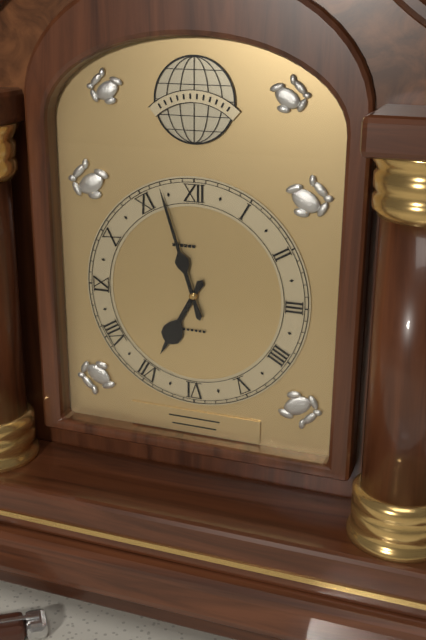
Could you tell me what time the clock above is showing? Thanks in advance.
6:57
